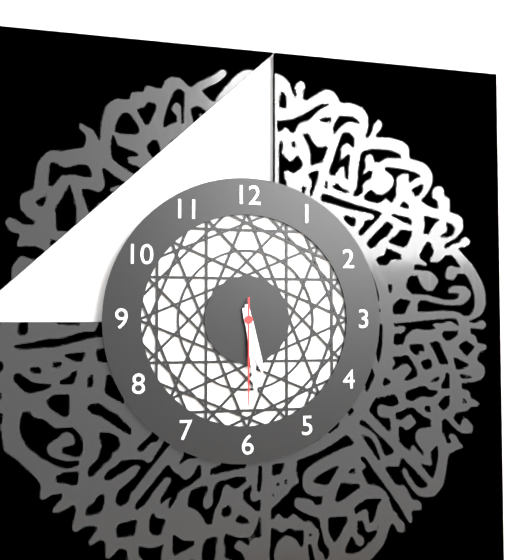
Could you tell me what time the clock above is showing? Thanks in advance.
5:29:30
